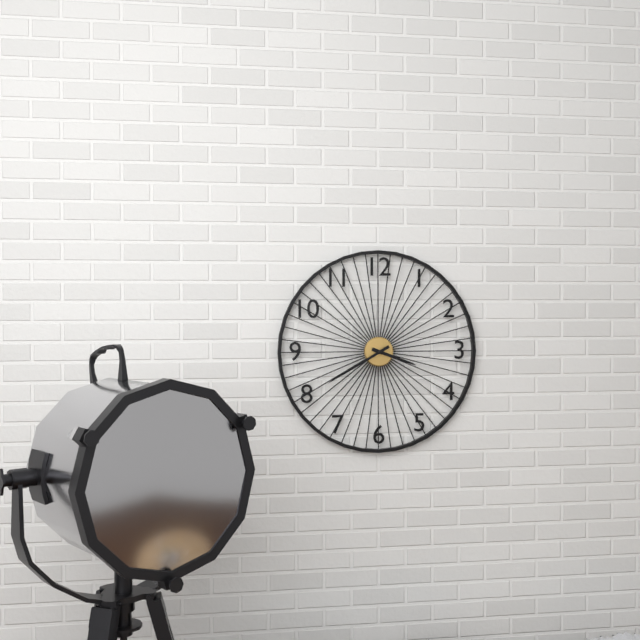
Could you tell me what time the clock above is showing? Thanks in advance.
3:40
